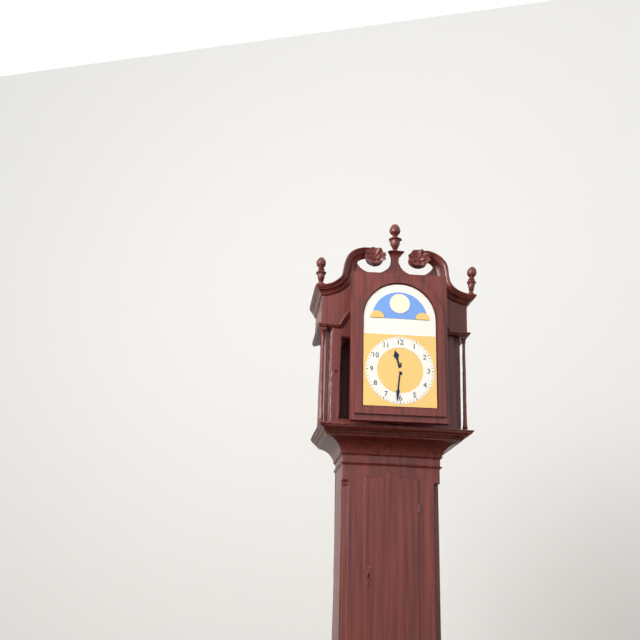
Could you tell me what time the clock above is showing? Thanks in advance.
11:31
